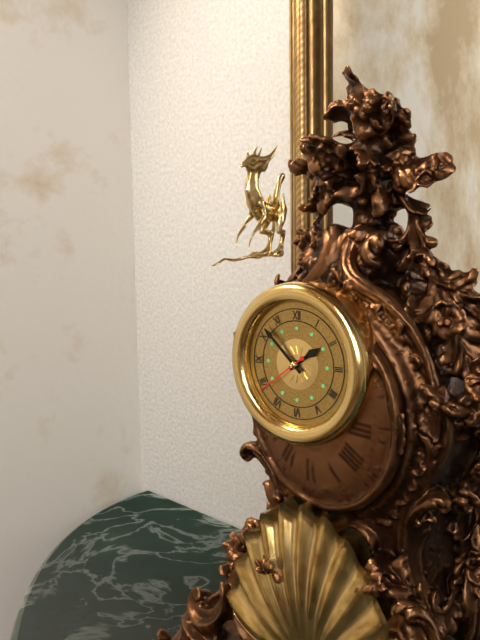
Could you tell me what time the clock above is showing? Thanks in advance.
1:52:39
